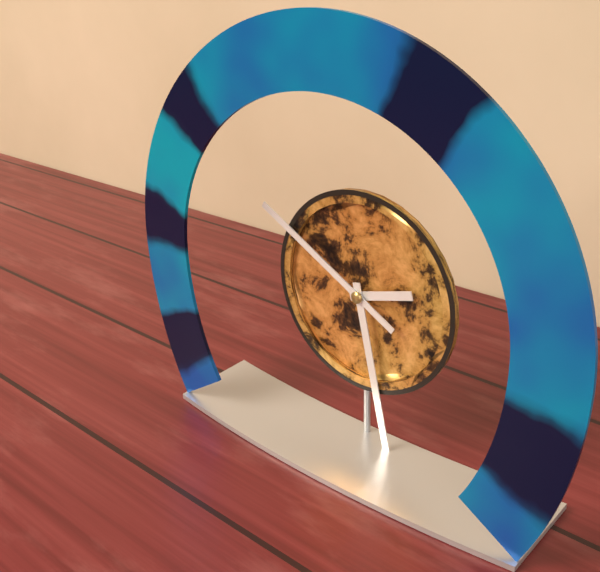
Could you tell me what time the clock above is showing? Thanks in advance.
2:28:50
